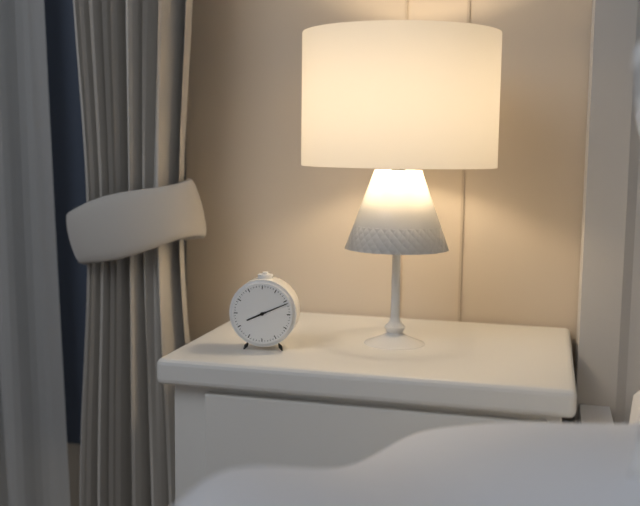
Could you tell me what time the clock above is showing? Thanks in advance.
8:11
